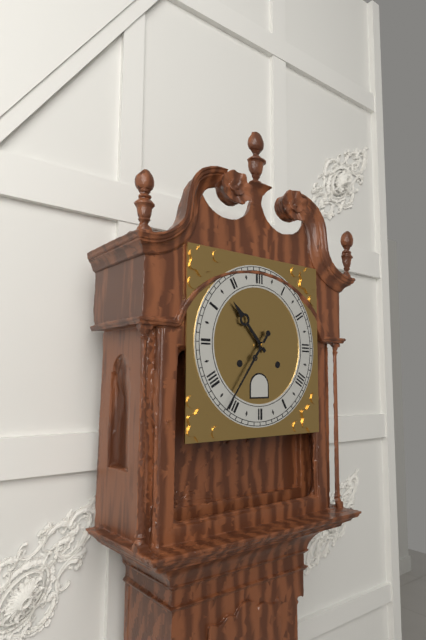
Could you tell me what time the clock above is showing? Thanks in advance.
10:36
